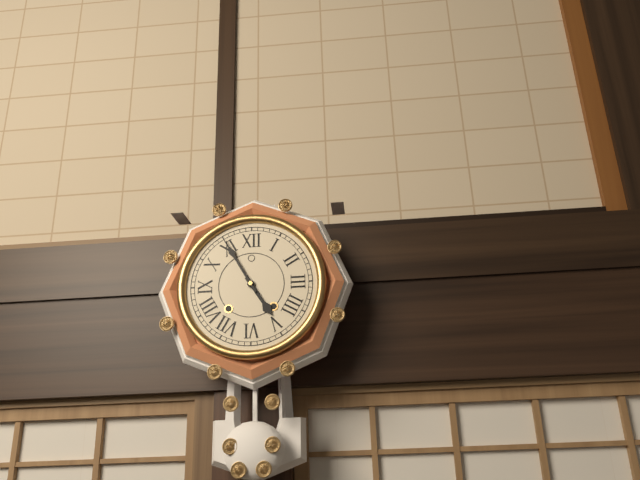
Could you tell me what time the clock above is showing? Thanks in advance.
4:55
